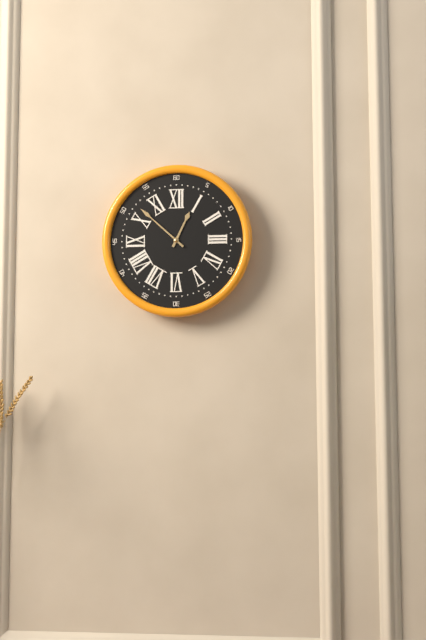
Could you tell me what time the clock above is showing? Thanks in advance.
12:52
